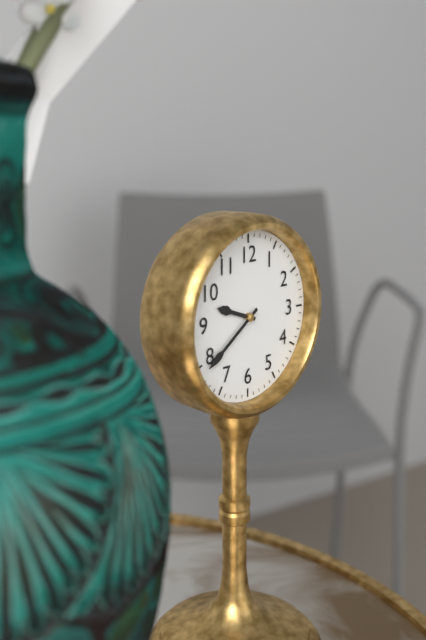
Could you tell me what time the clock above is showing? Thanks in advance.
9:39
